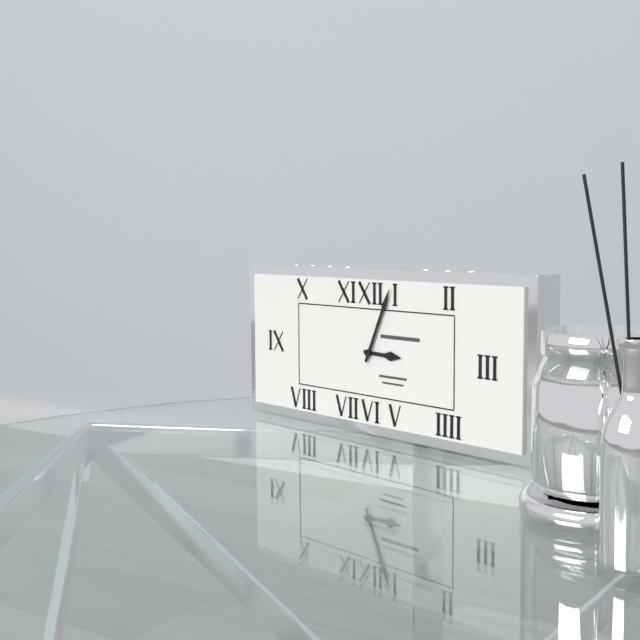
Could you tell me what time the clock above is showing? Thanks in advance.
3:04
